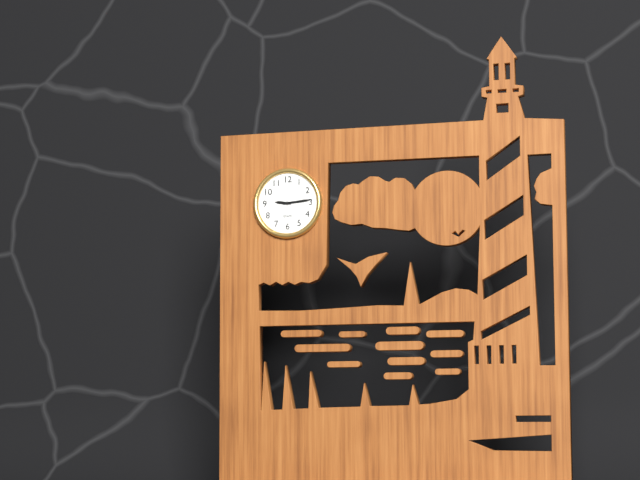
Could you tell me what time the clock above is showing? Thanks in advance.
9:14
